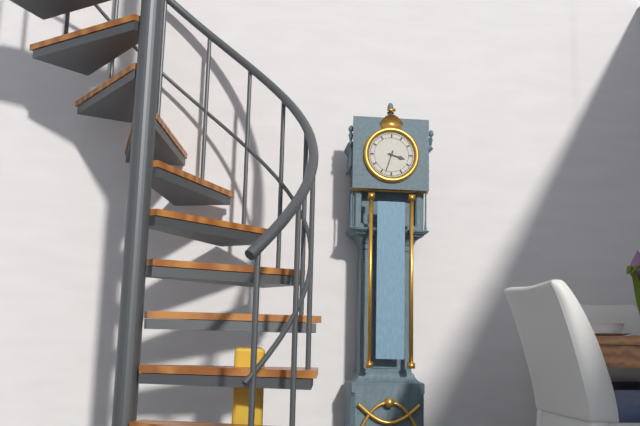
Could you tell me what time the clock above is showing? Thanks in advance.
3:33
